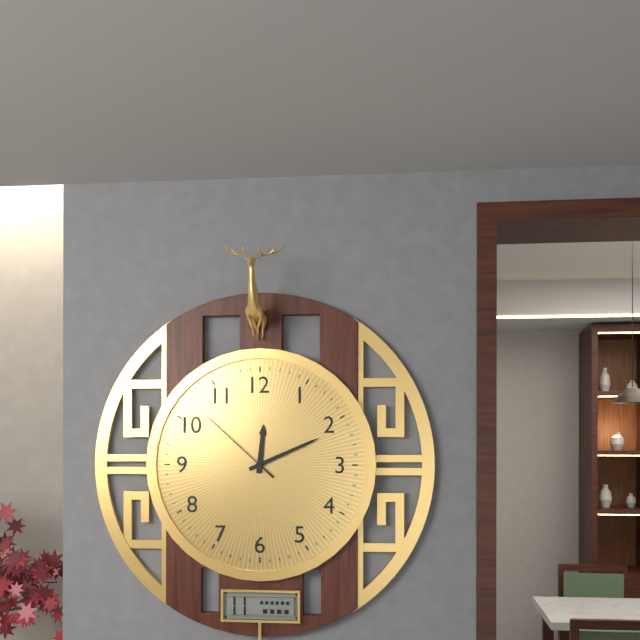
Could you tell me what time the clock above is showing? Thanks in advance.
12:11:52
